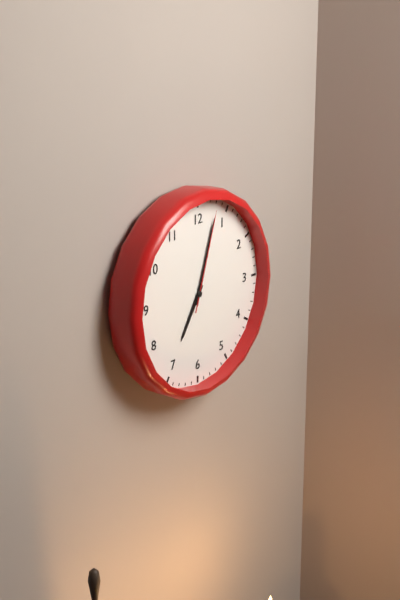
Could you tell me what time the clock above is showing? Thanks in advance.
7:03:03
